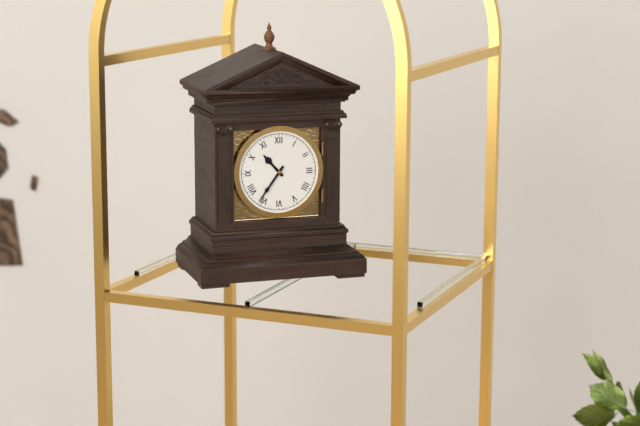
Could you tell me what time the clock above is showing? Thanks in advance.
10:36
